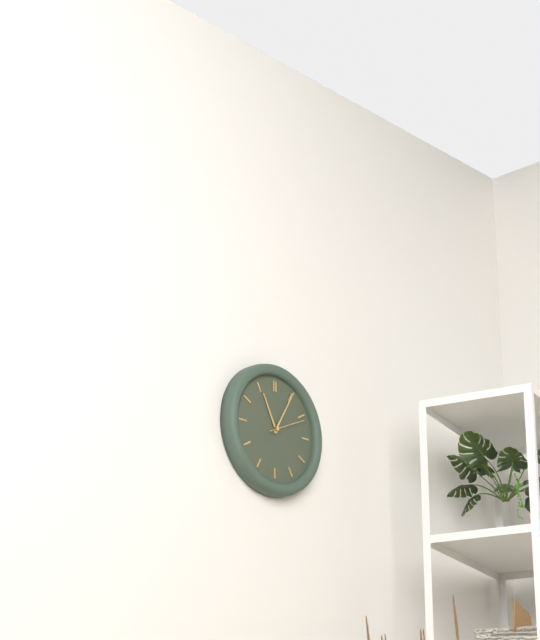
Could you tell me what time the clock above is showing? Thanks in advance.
11:05
